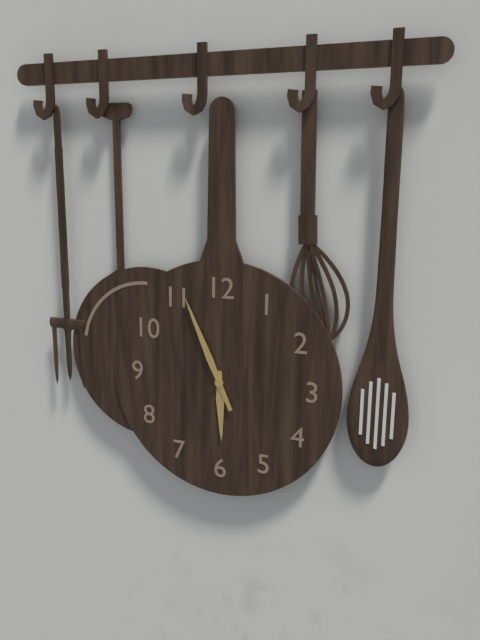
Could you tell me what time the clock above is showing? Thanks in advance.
5:56
